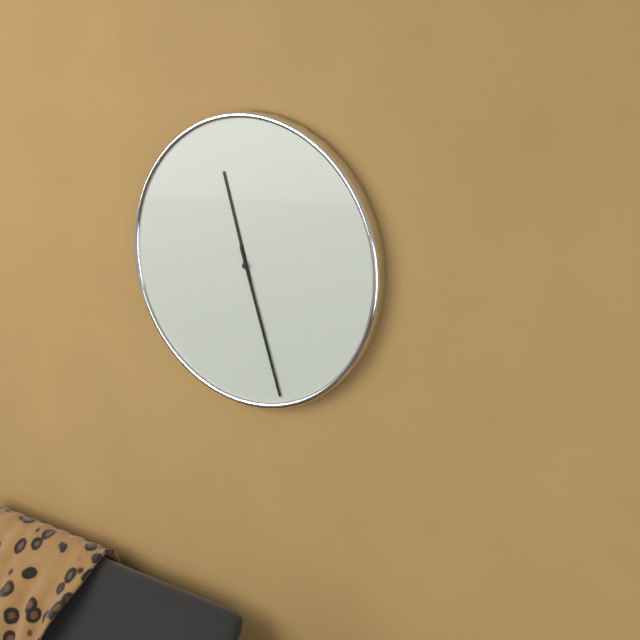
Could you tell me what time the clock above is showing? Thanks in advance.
11:27
